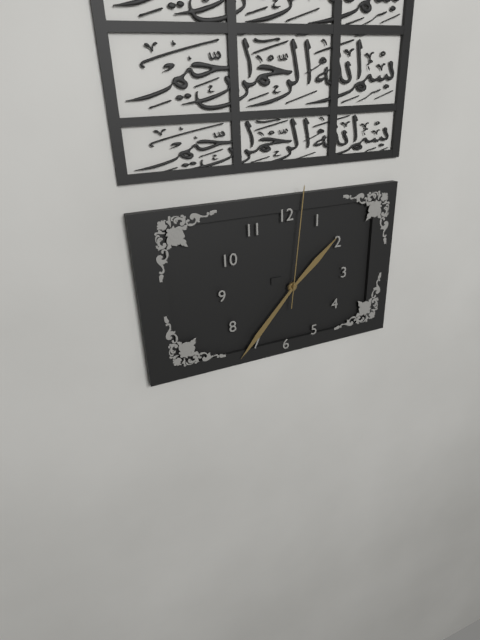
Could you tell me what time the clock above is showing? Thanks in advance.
1:37:01
